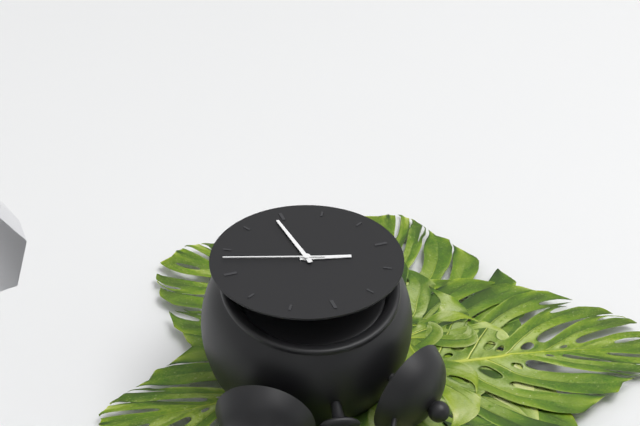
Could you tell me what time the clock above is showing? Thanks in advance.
9:29:18
